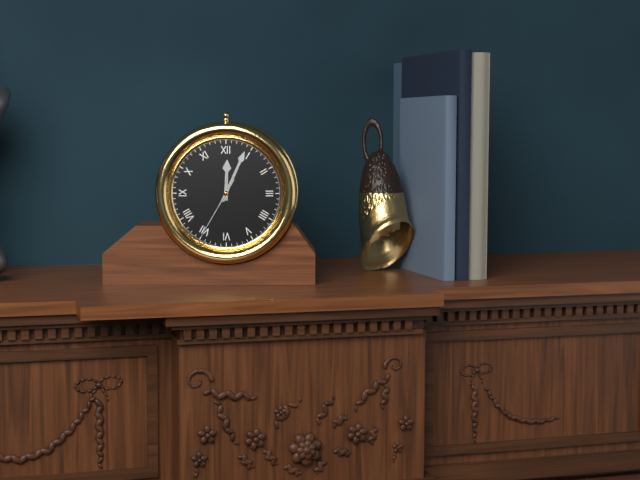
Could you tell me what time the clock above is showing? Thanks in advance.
12:04:35
